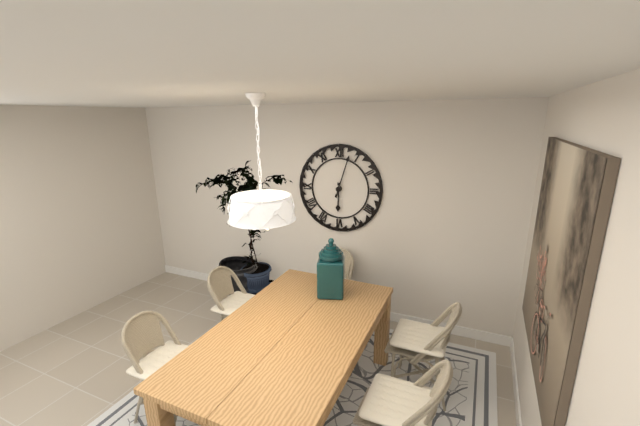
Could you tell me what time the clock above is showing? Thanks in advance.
6:03
